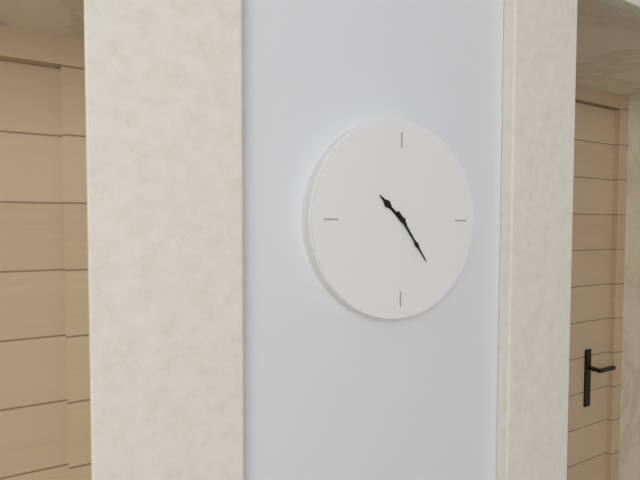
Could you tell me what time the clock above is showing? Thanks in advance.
10:24
